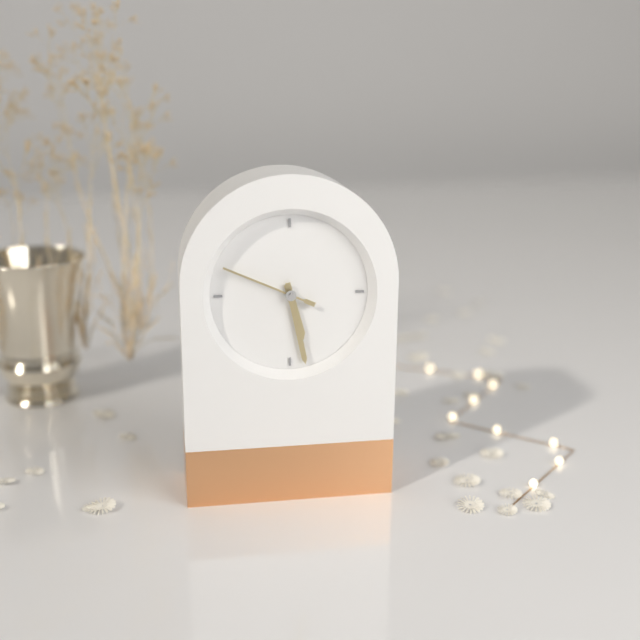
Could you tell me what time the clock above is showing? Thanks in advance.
5:28:49
